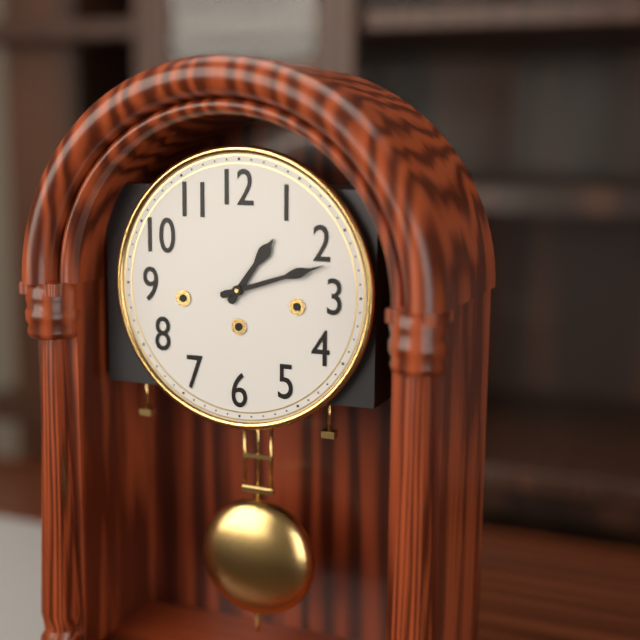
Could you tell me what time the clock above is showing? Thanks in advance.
1:12
